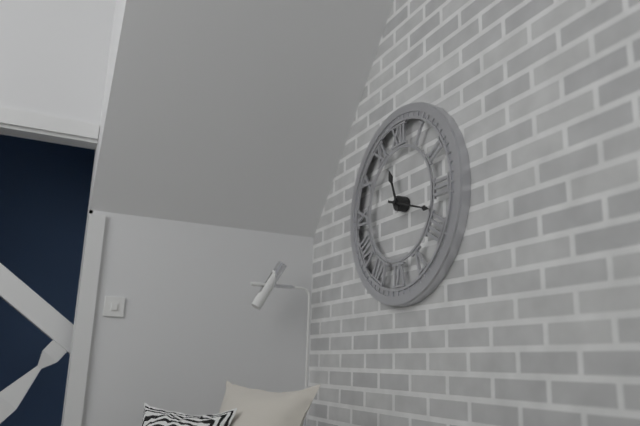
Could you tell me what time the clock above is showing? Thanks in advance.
11:18
